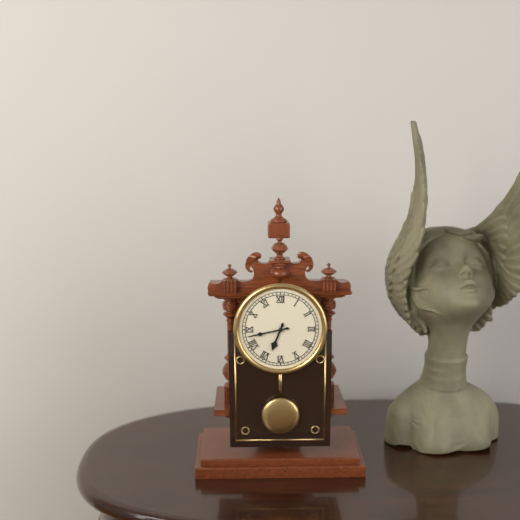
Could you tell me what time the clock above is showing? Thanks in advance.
6:43
